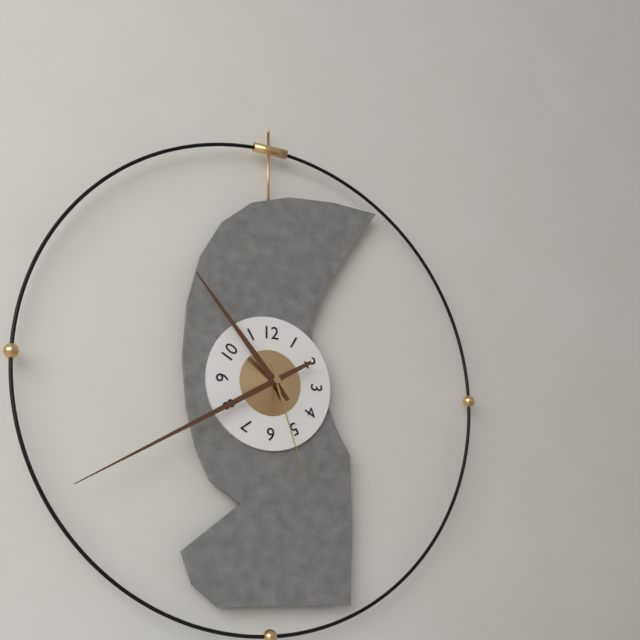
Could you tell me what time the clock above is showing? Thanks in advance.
10:40:27
